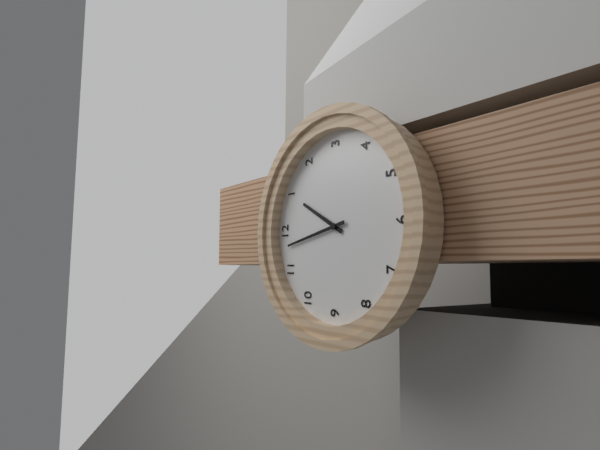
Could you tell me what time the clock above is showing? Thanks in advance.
12:58
